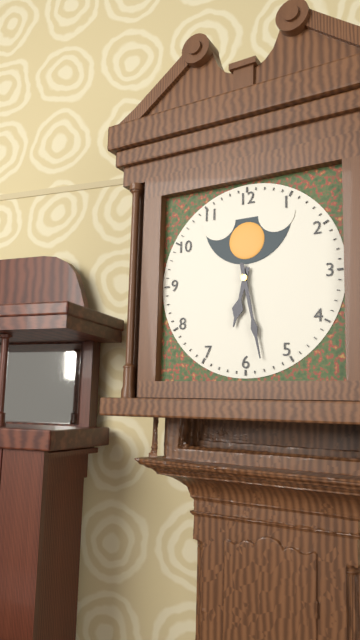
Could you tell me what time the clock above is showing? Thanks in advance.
6:28
